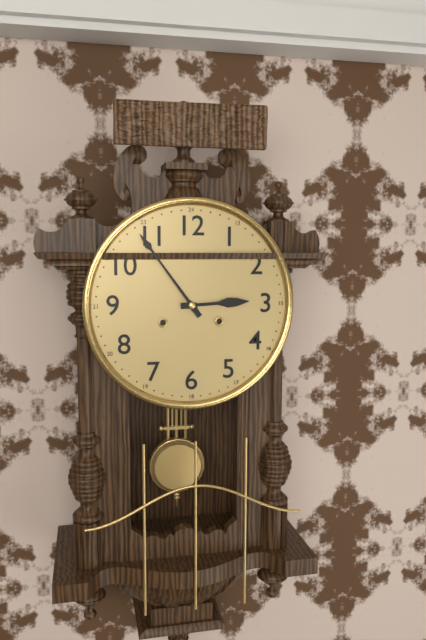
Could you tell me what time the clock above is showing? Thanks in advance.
2:54
